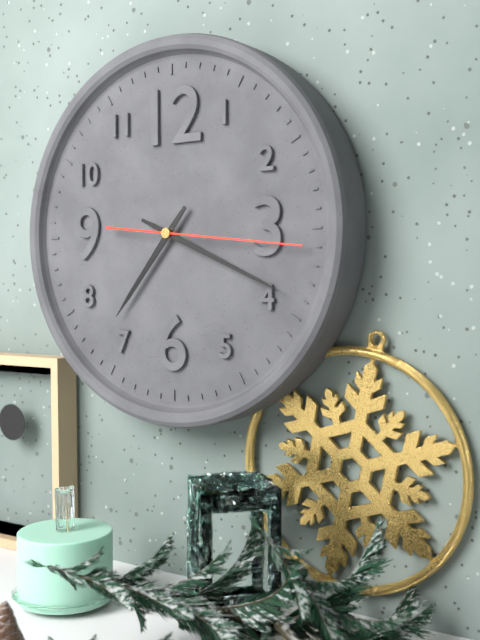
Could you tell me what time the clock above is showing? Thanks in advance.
7:19:16
